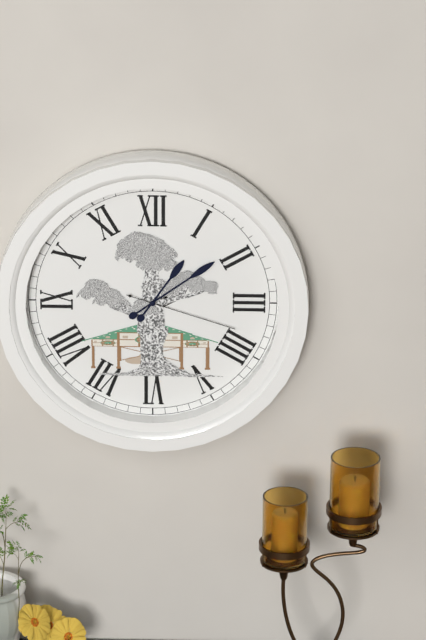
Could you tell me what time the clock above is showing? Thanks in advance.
1:09:18
